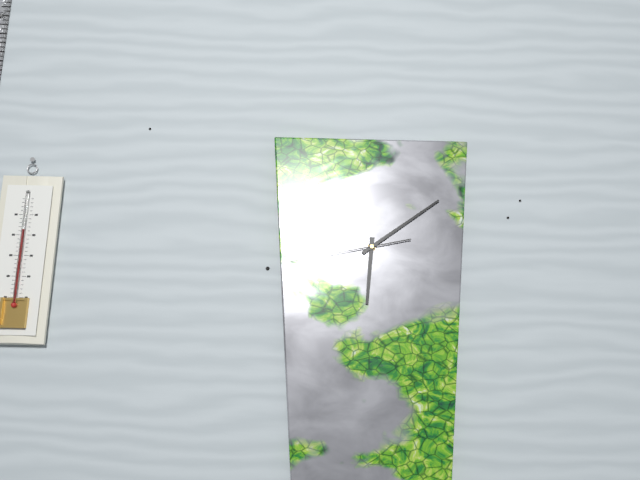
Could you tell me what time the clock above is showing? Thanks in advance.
6:09:43
